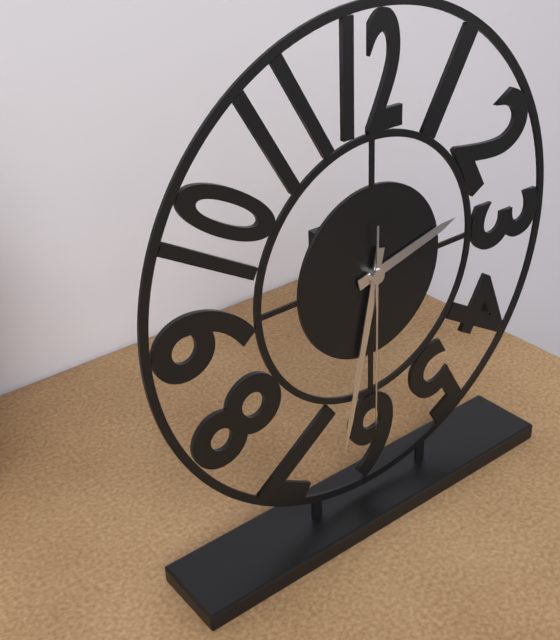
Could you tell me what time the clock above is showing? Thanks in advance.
2:32:30
